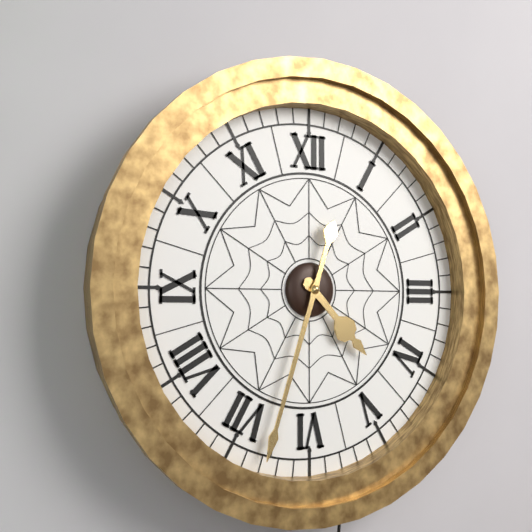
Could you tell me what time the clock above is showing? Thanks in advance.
4:33
